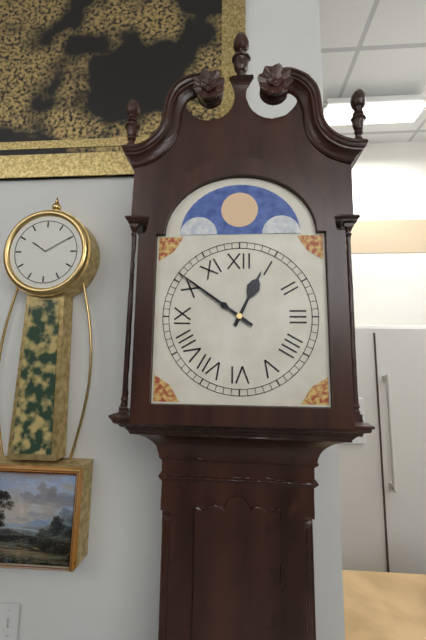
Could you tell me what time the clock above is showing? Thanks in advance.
12:51
